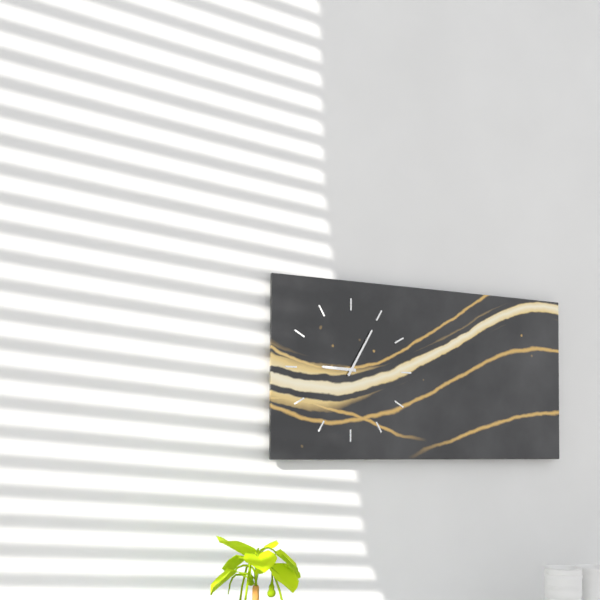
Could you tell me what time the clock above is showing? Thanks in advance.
9:05
